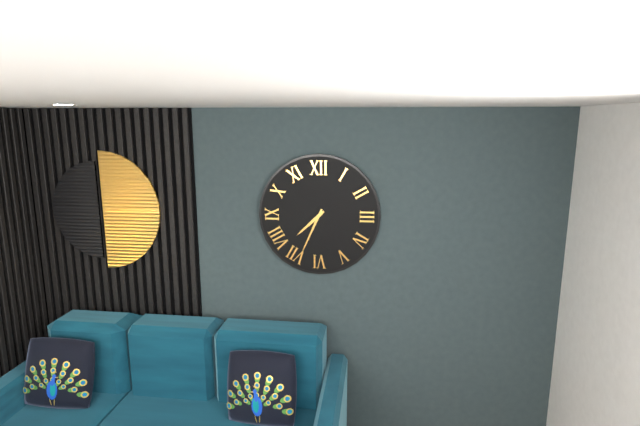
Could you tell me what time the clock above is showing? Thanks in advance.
7:34
